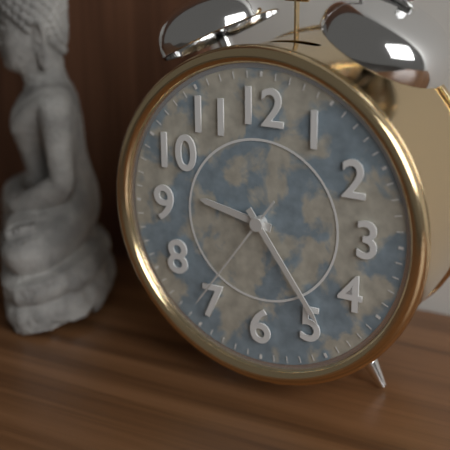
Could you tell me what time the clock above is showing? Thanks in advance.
9:24:36
